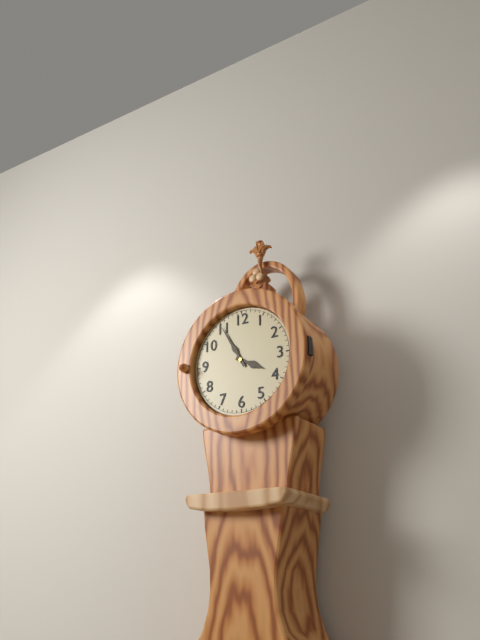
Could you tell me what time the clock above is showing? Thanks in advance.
3:55
